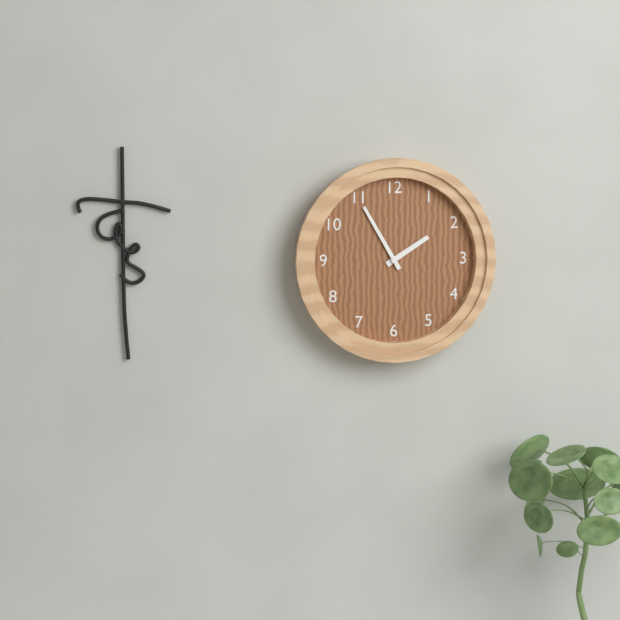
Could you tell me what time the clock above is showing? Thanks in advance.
1:55
